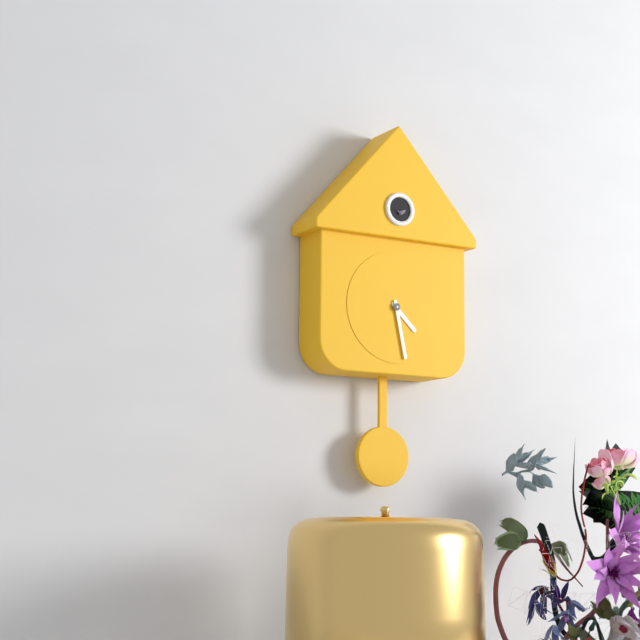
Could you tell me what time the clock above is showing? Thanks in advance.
4:28
